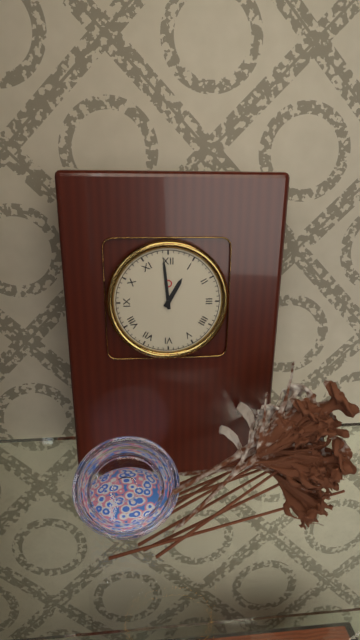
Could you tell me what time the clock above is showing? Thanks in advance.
12:59
